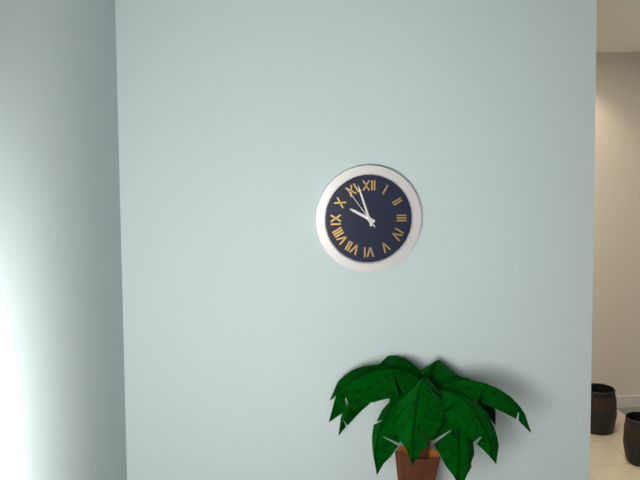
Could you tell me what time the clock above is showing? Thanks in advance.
9:57
